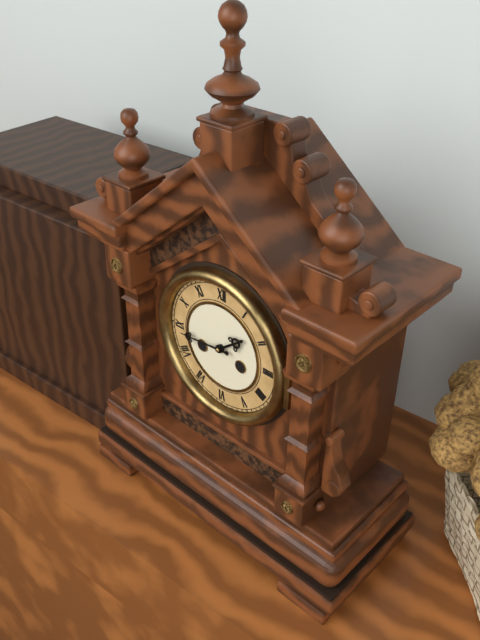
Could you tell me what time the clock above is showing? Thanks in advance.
1:44
